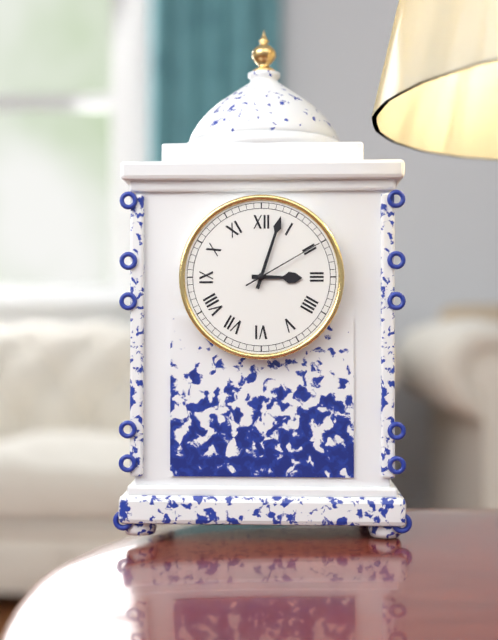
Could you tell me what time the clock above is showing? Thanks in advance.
3:03:10
